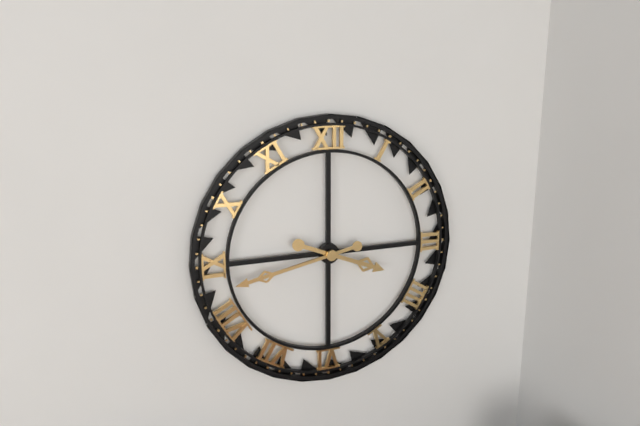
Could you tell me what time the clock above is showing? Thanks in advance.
3:43
